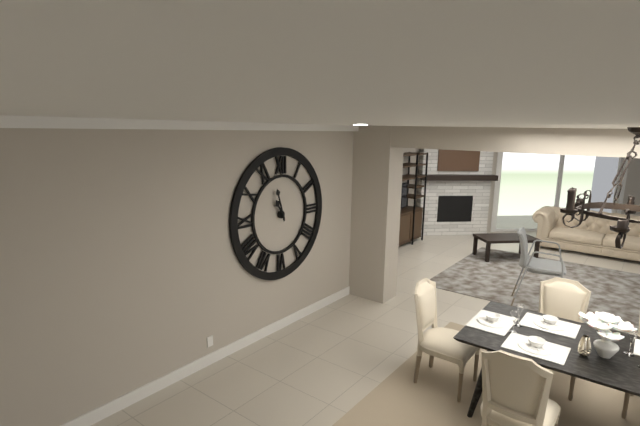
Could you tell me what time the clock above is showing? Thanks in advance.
10:57
